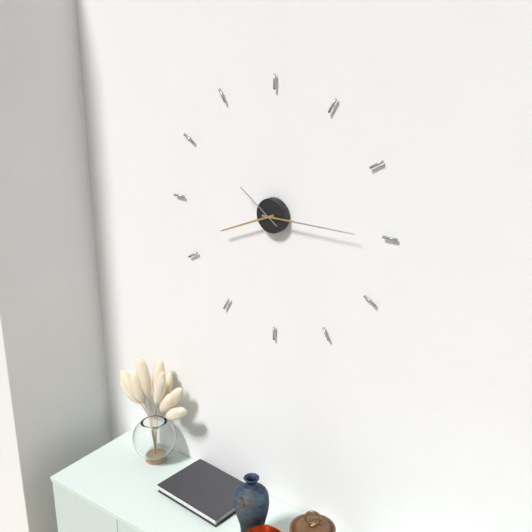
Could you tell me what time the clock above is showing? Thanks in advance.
8:15:51
